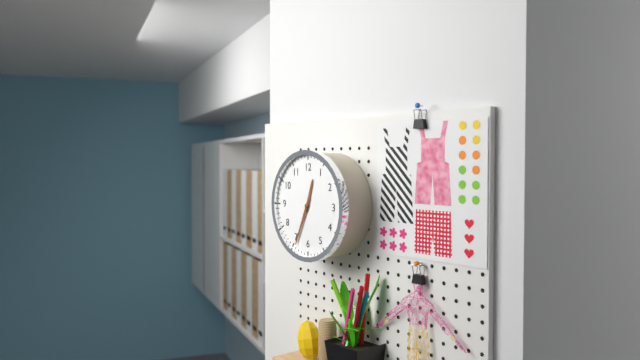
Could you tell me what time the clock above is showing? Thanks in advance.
12:34
